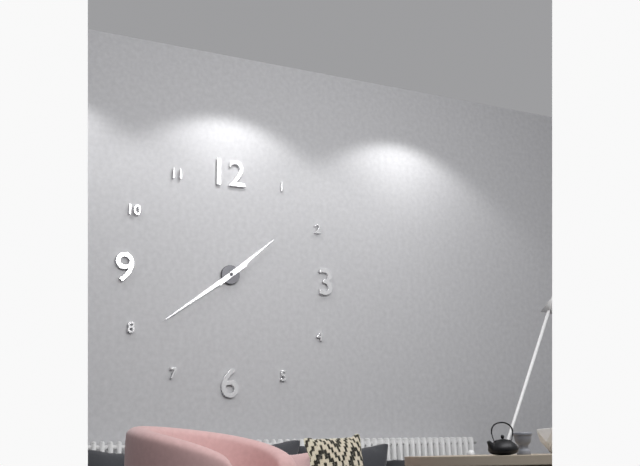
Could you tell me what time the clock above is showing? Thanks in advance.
1:39
